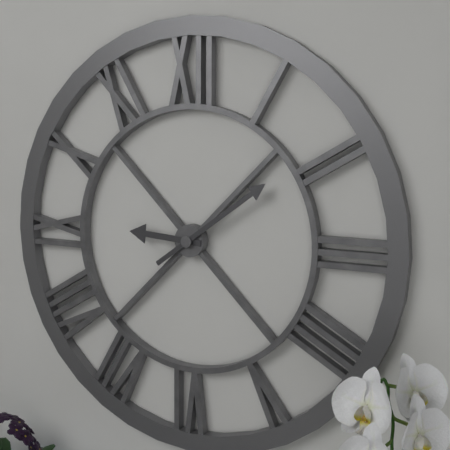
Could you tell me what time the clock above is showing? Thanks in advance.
9:09
